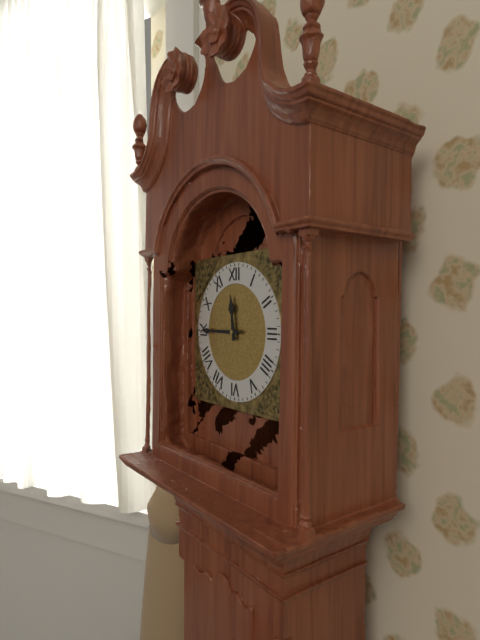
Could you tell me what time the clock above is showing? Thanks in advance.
11:45
